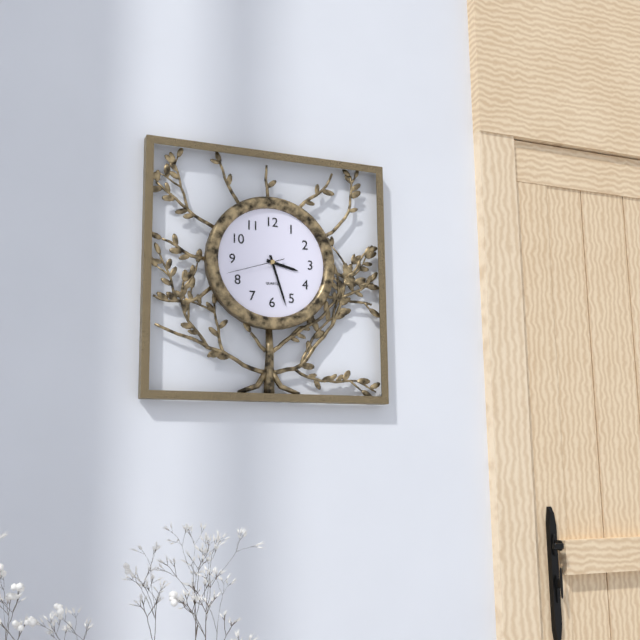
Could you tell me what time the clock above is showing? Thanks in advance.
3:27:42
